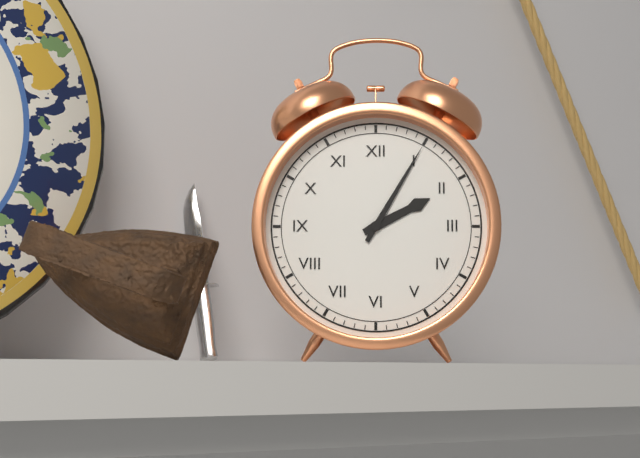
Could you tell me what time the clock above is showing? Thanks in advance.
2:05
